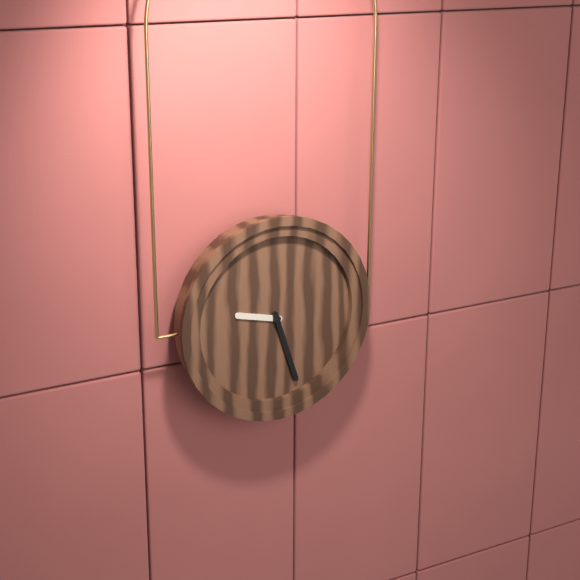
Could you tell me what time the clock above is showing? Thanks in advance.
9:27
